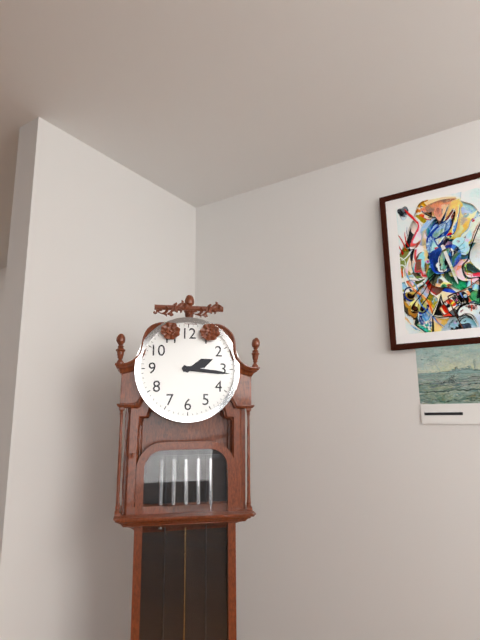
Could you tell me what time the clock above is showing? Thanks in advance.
2:16
